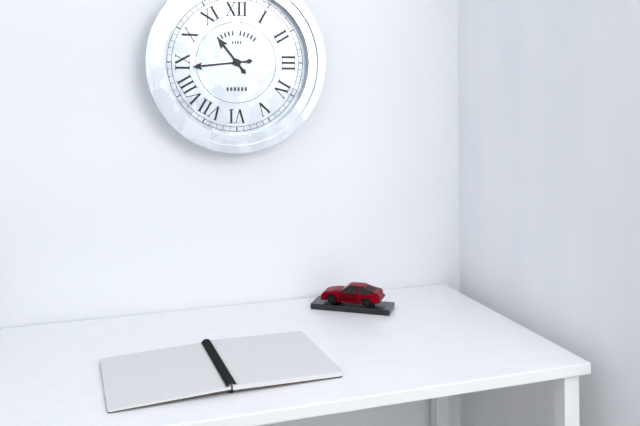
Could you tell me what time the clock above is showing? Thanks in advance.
10:44
